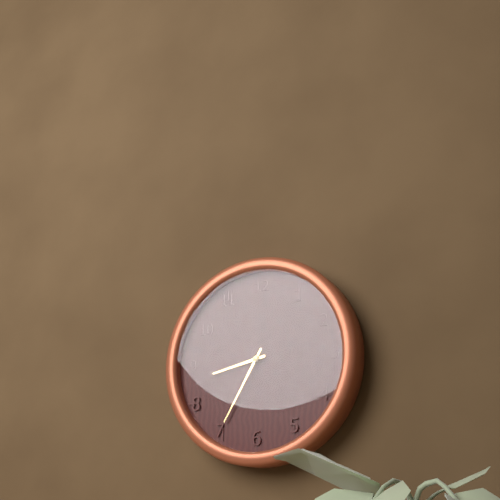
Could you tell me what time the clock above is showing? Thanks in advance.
8:35
